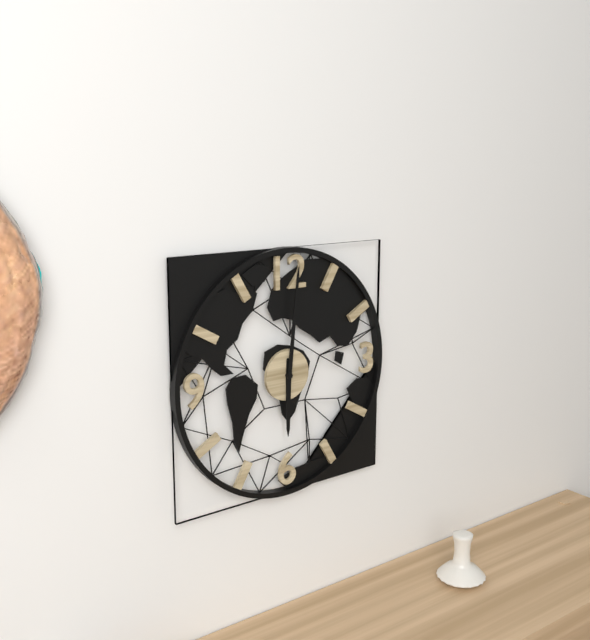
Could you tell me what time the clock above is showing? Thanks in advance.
6:01
